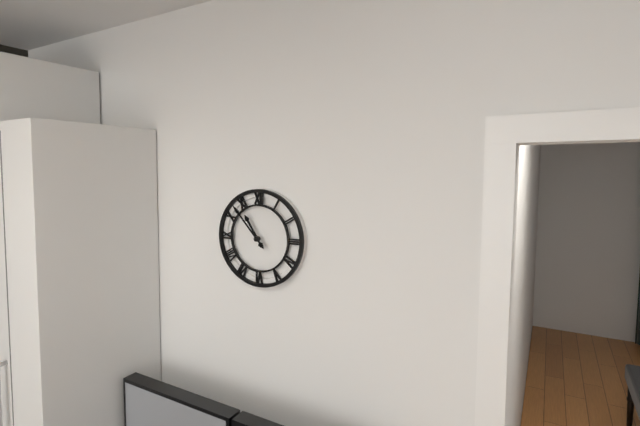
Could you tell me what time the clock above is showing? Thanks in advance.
10:53
